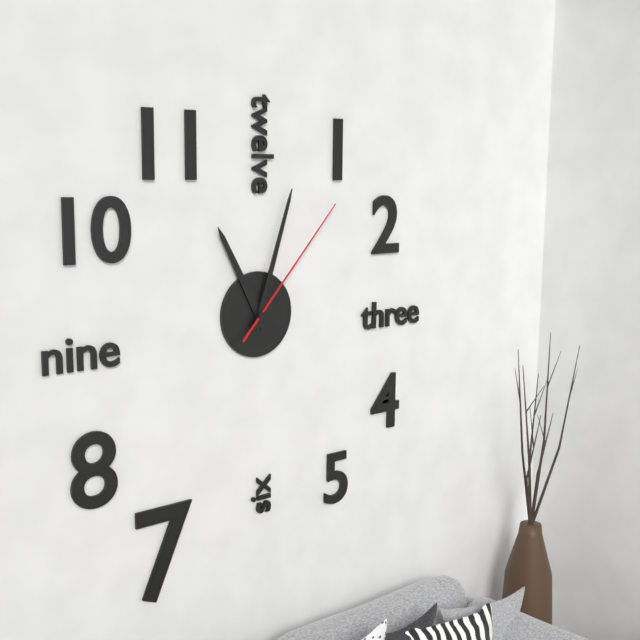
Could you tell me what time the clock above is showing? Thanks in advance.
11:03:07
